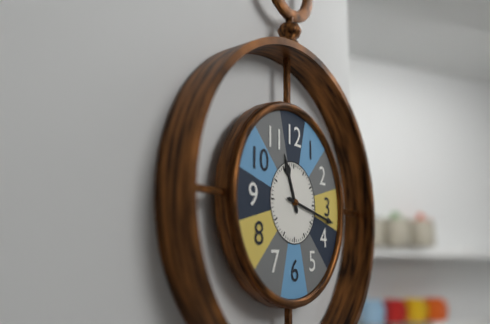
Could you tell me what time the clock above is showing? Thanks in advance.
11:17
